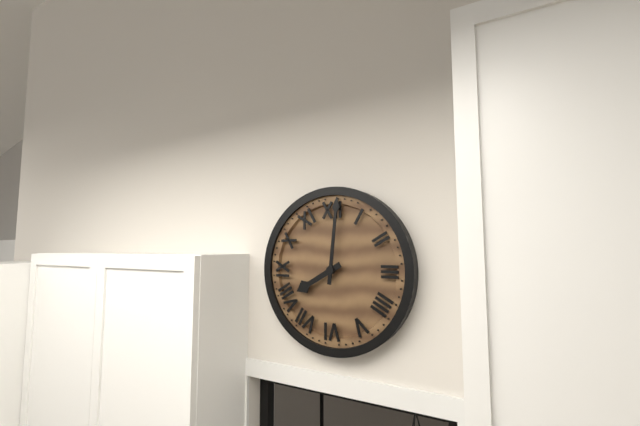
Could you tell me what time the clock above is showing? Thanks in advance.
8:01
